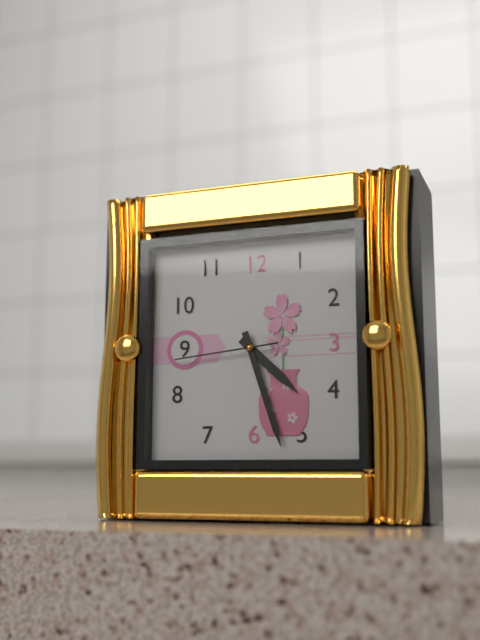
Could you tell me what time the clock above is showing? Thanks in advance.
4:27:44
